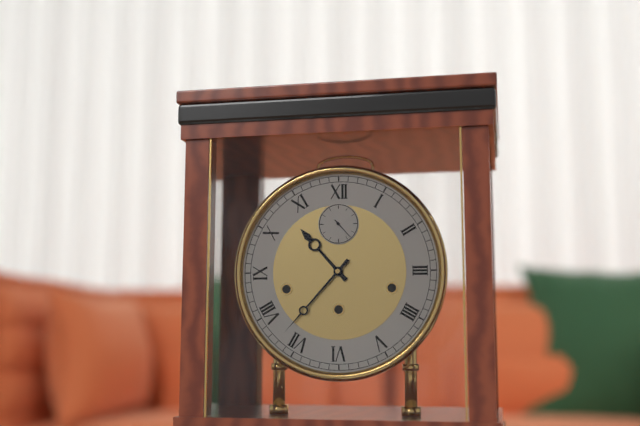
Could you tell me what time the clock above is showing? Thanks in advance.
10:37
